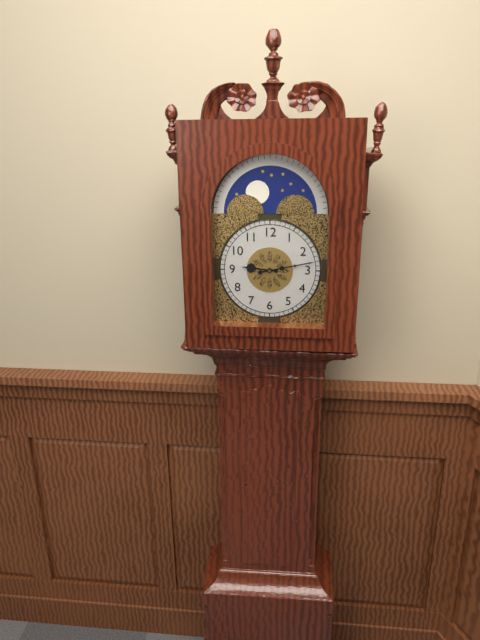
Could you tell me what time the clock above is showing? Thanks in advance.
9:13
